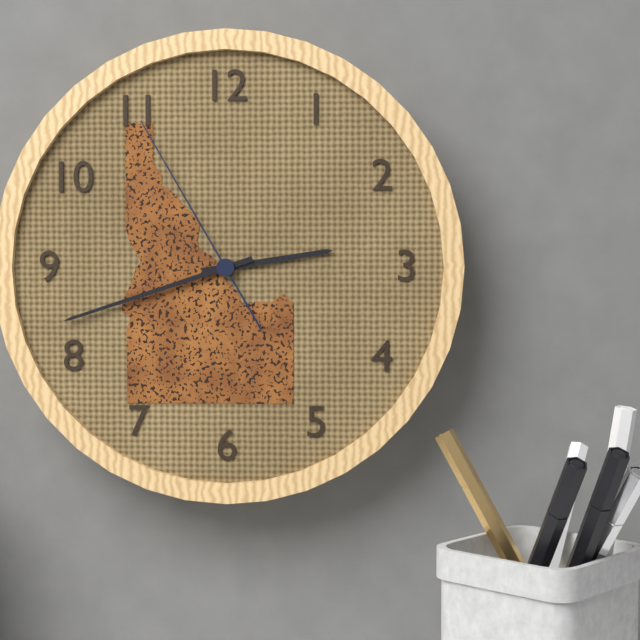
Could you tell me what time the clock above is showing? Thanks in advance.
2:42:55
